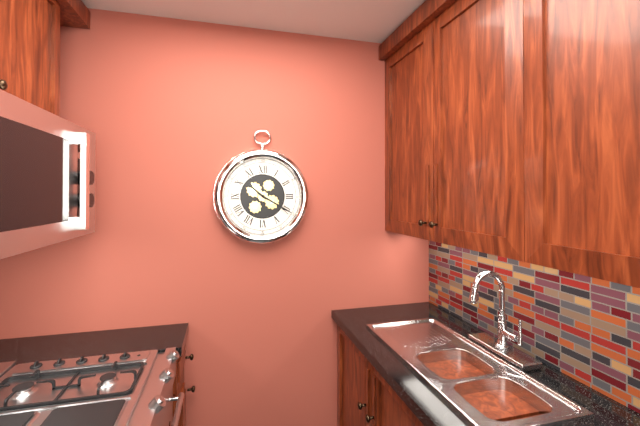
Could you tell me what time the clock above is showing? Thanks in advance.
10:20
